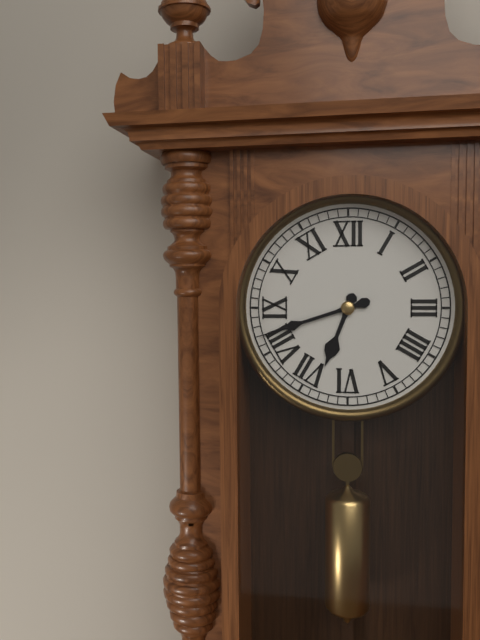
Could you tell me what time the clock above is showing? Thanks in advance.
6:42
